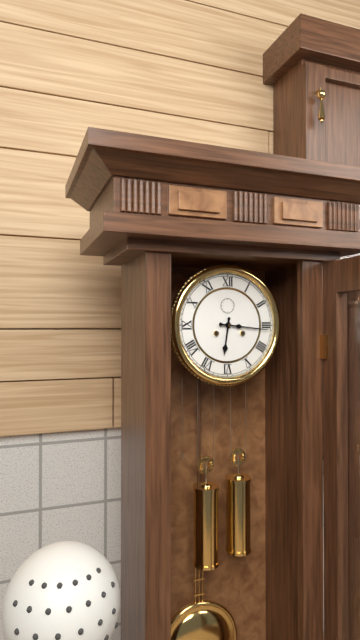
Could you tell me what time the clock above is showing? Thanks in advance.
6:16
